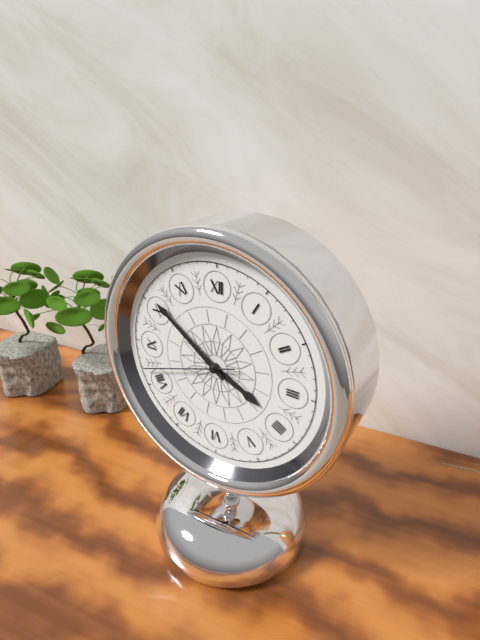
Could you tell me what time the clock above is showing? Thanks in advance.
3:51:42
